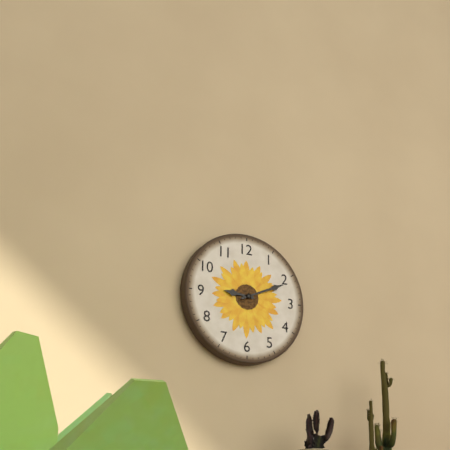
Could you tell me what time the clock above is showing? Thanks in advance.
9:11
